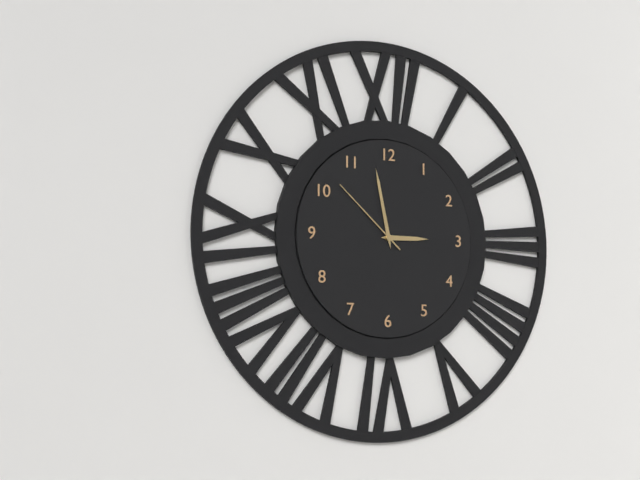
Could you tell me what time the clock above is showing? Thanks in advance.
2:58:52
